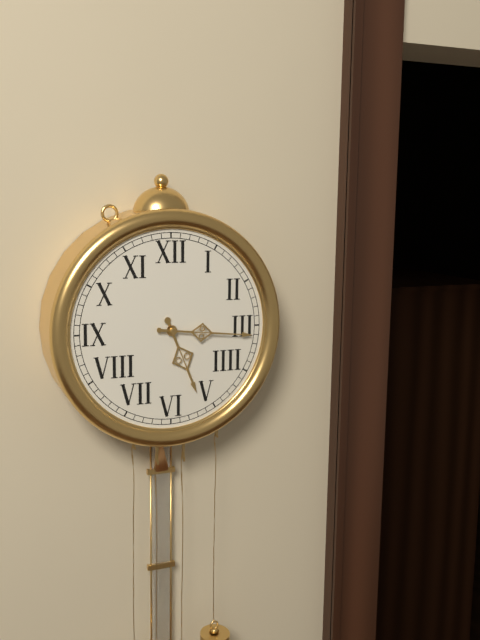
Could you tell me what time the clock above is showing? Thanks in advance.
5:16
